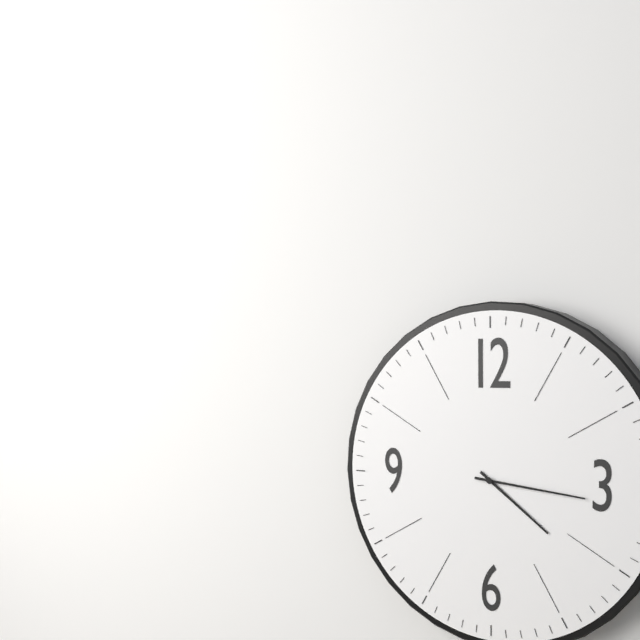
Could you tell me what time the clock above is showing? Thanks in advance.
4:16
